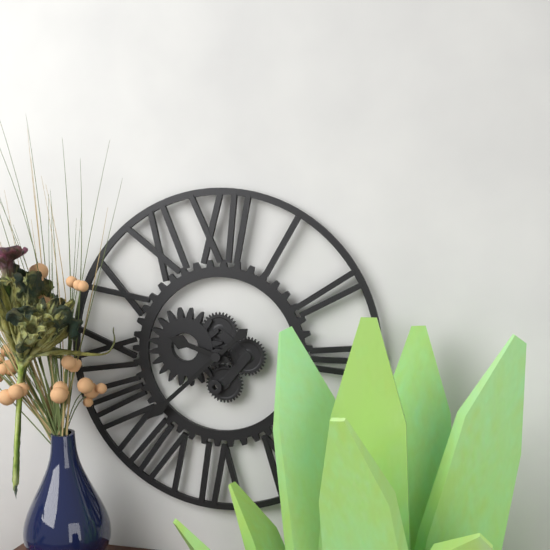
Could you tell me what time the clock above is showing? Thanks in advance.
9:38
